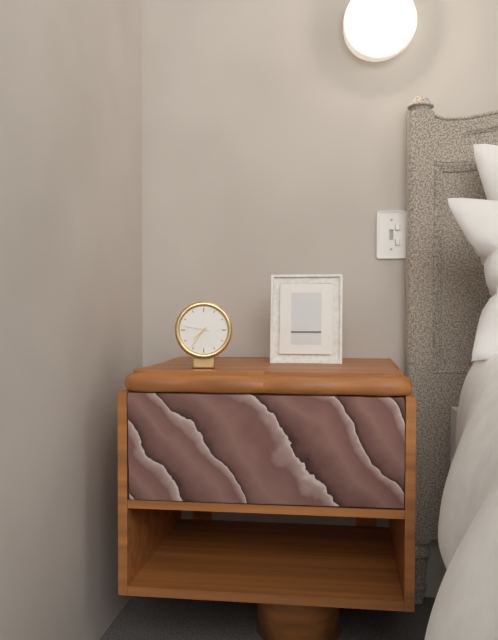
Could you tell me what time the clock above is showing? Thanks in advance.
7:36
